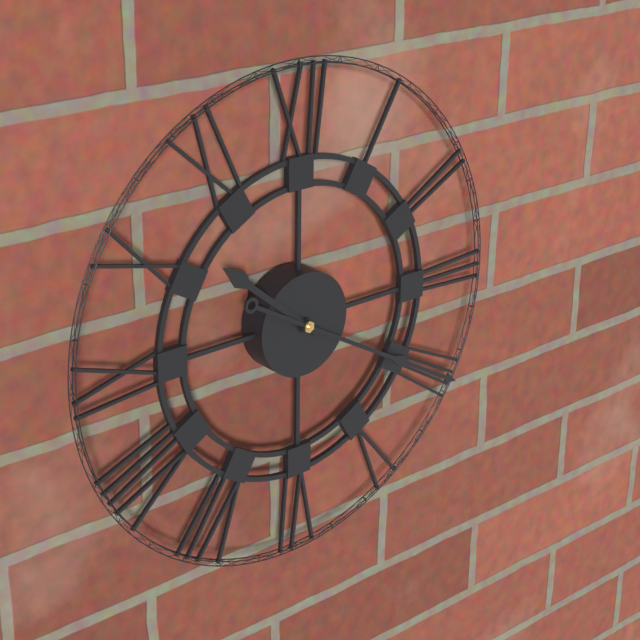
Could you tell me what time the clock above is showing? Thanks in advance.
10:20
